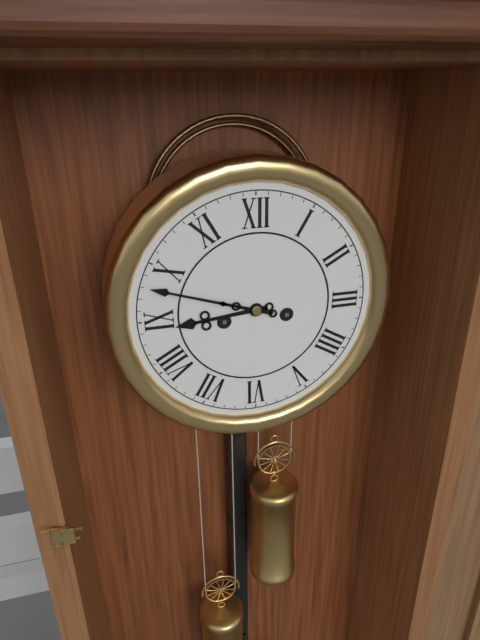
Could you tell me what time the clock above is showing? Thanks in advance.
8:48
